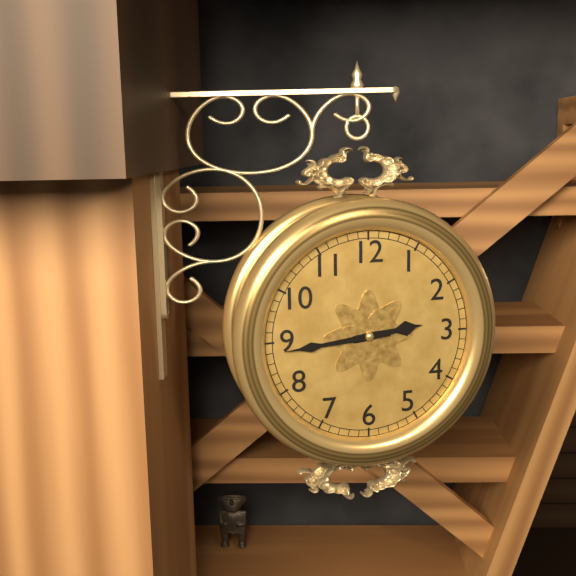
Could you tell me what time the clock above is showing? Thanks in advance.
2:44
